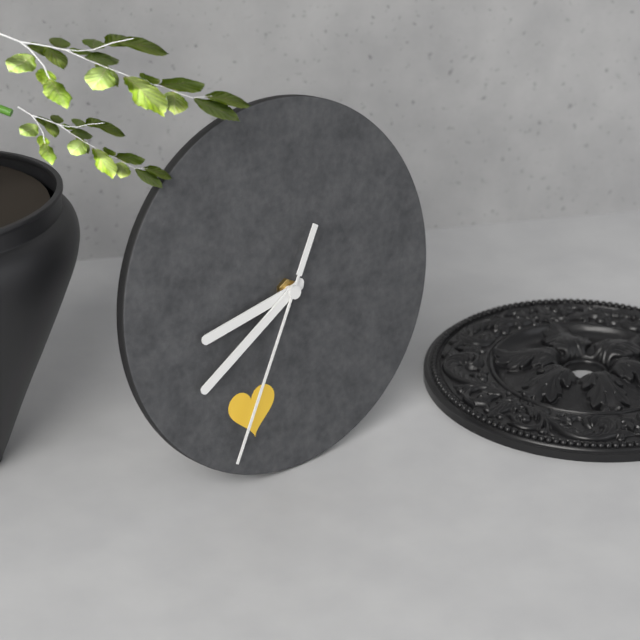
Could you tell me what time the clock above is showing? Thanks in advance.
8:40:35
